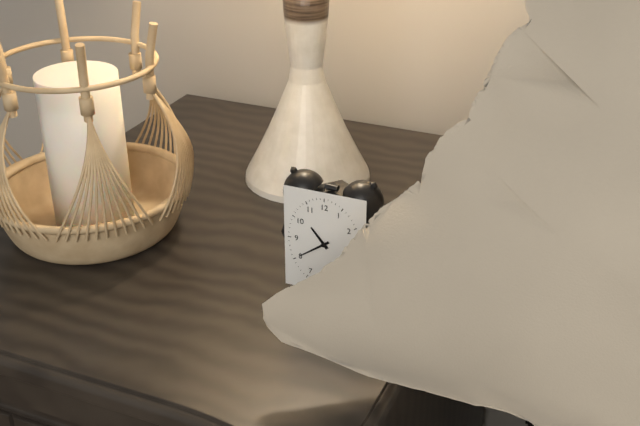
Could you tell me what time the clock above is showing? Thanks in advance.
10:39
